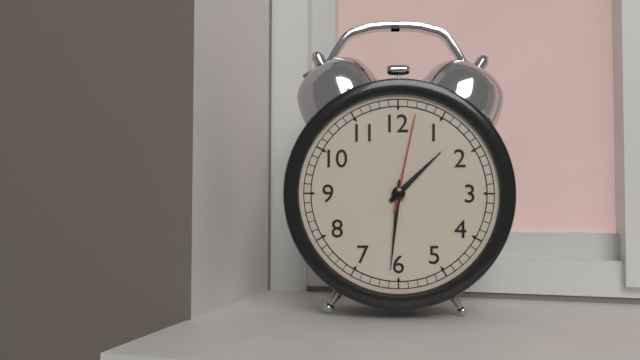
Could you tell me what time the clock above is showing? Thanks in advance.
1:31:02
